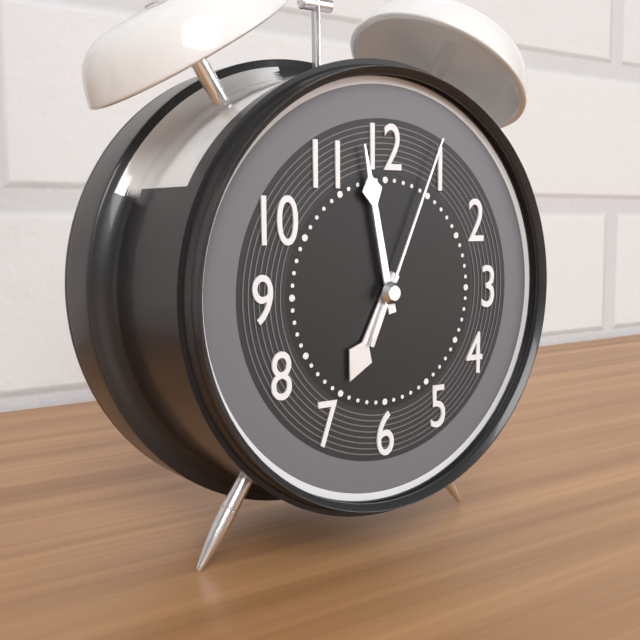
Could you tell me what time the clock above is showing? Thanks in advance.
6:58:04
